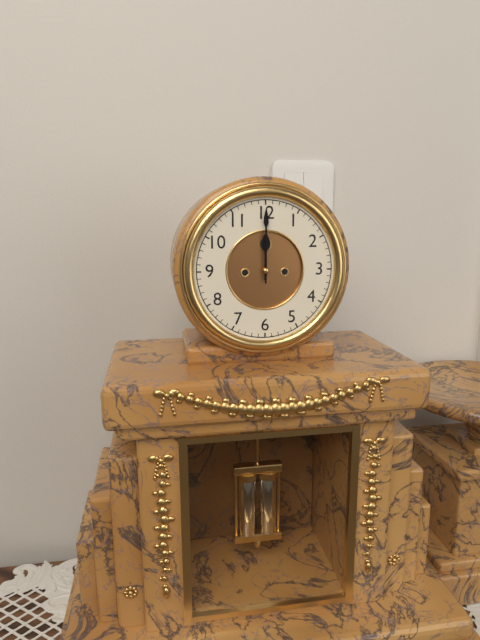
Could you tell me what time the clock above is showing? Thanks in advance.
12:00
